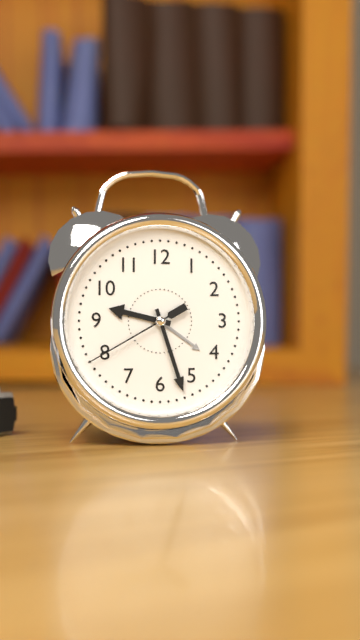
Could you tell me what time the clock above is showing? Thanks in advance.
9:27:40
